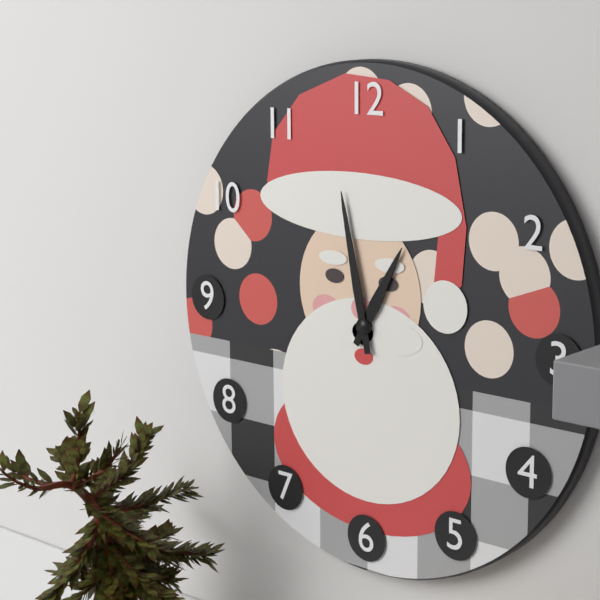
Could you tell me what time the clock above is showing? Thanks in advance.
12:58
